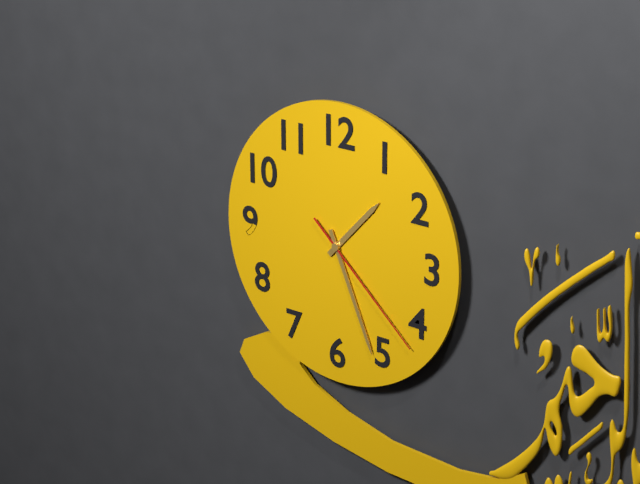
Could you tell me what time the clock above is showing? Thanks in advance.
1:26:22
